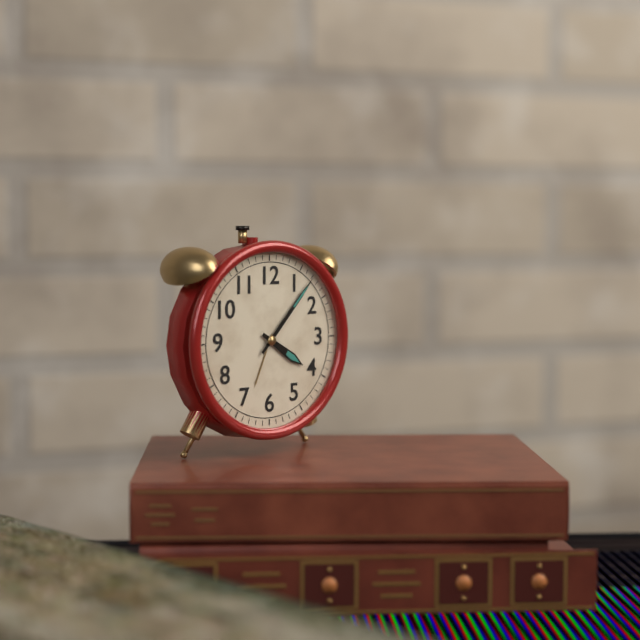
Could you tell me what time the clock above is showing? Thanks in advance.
4:07
